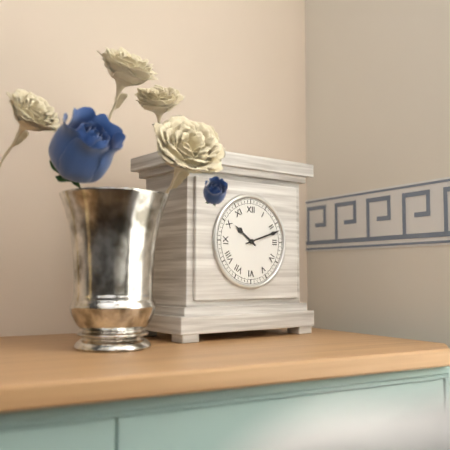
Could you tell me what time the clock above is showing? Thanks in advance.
10:12
